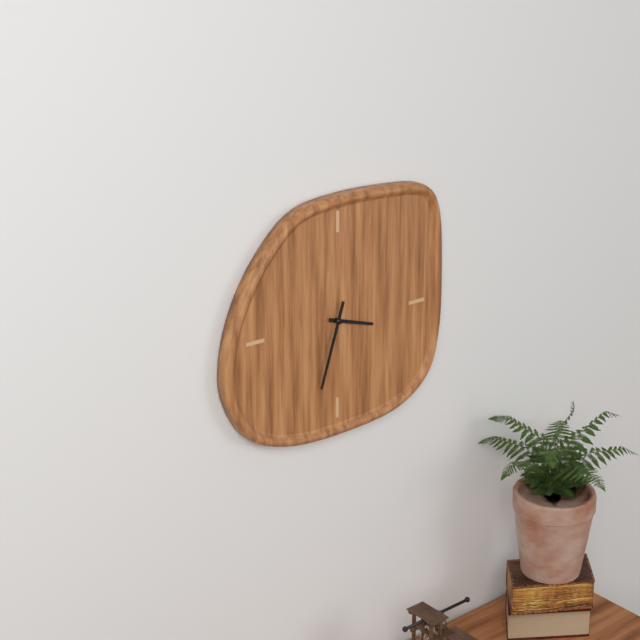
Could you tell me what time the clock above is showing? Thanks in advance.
3:33
